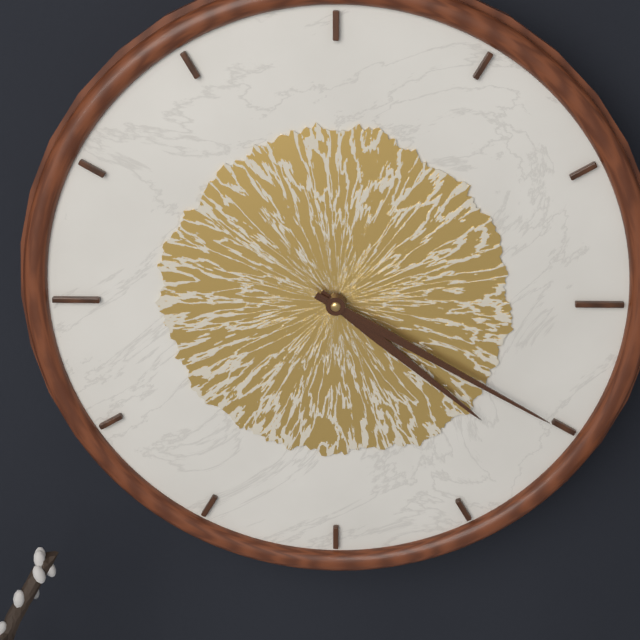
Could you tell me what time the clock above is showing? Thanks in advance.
4:20
